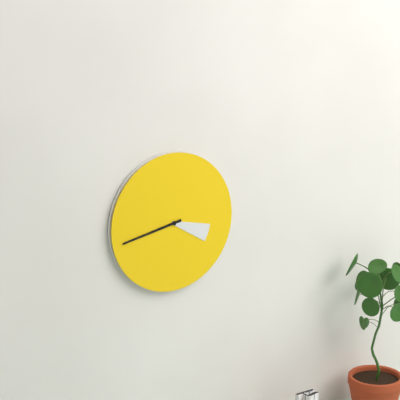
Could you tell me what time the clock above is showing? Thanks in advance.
3:43
